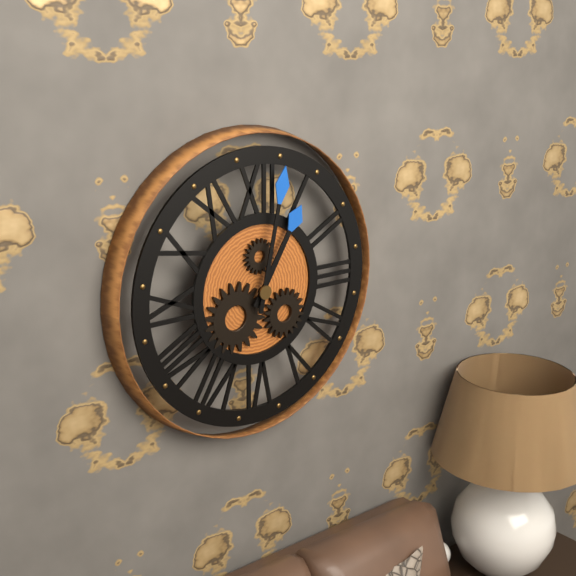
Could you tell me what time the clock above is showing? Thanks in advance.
1:02
